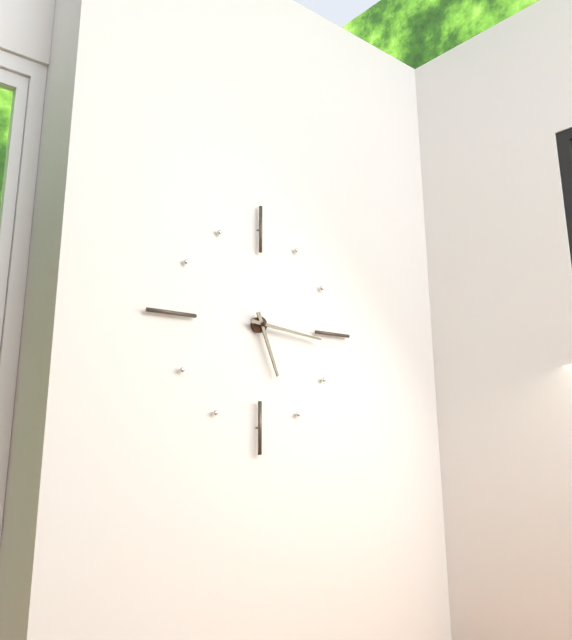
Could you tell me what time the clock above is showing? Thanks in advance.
5:16
